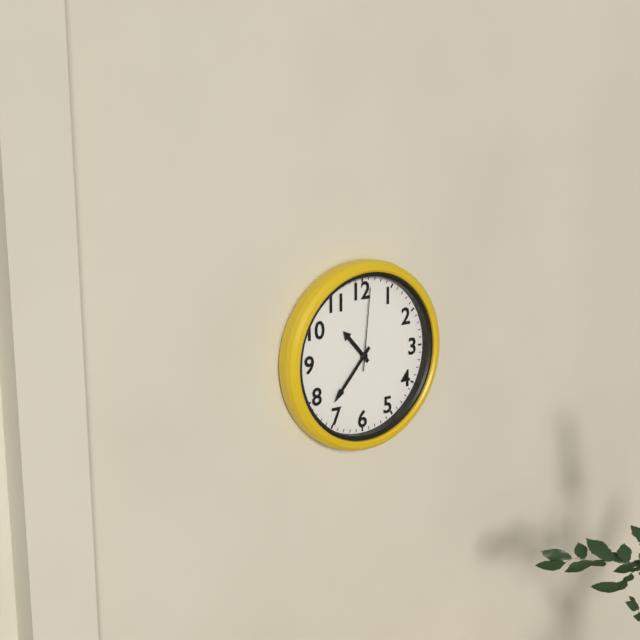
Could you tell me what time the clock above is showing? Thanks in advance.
10:37:01
